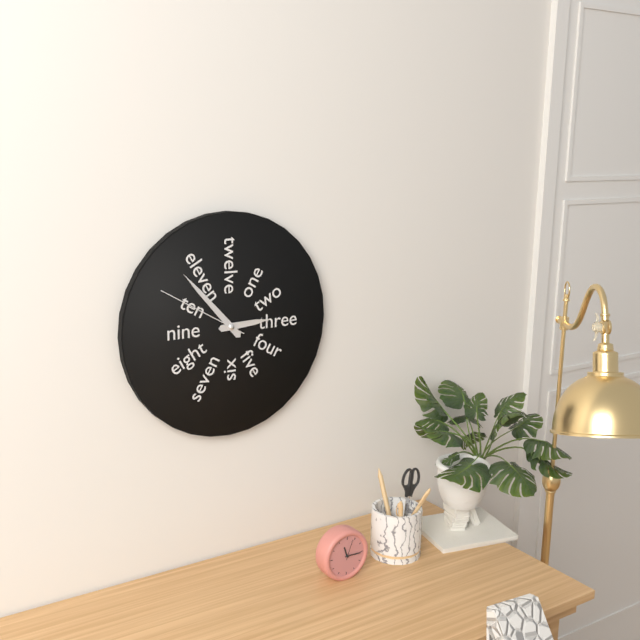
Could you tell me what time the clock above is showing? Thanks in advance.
2:53:50
